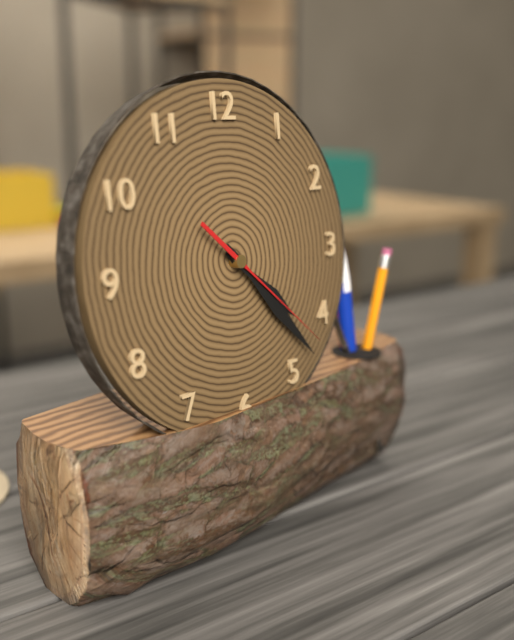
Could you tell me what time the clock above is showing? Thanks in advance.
4:23:22
